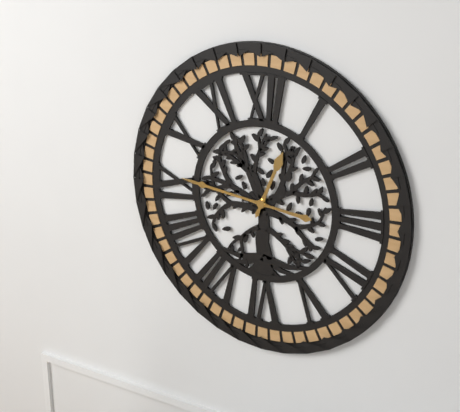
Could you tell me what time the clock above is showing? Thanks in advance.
12:46
